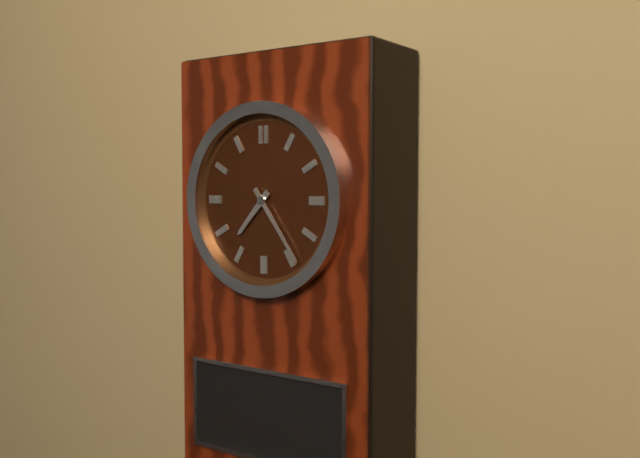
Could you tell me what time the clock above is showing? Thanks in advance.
7:24
